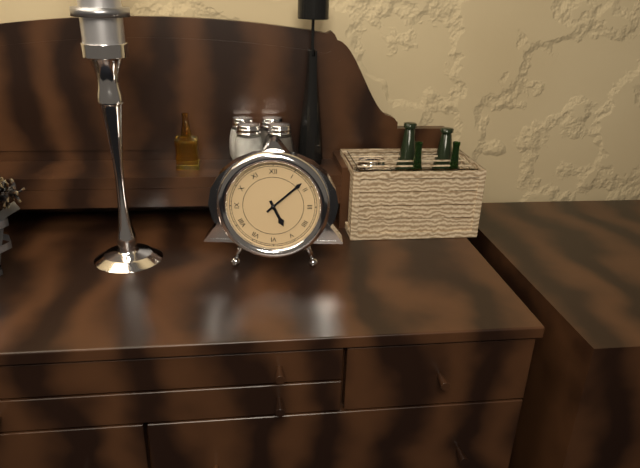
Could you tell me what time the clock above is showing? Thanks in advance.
5:08
